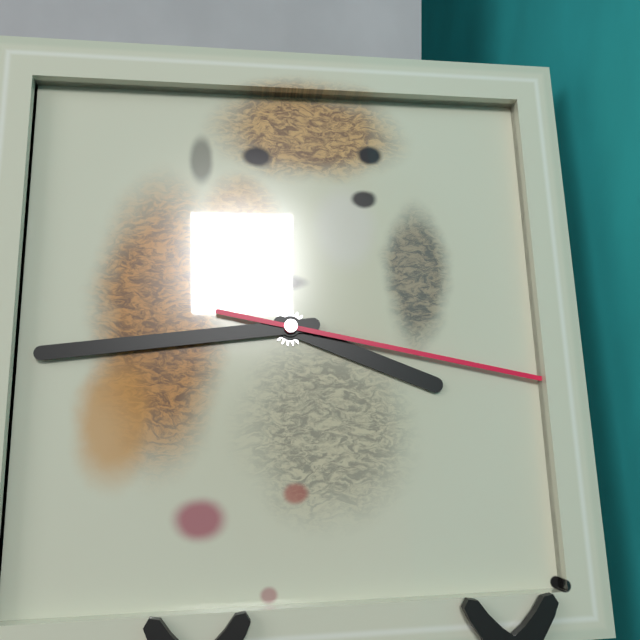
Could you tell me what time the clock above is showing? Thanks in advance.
3:44:17
